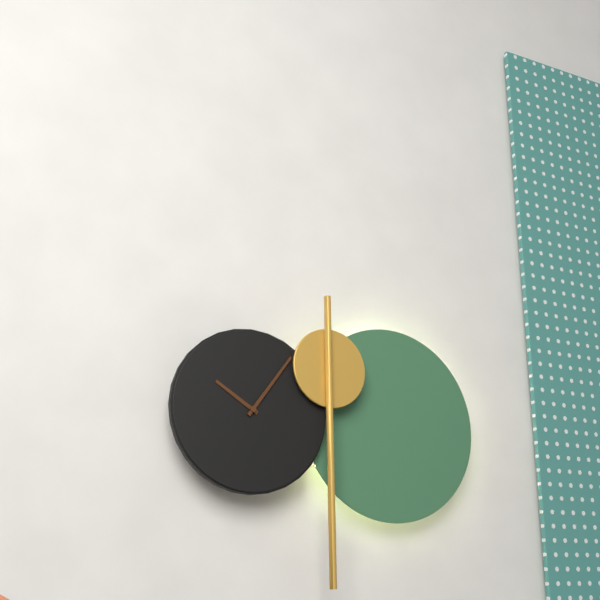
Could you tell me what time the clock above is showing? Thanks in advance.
10:06
